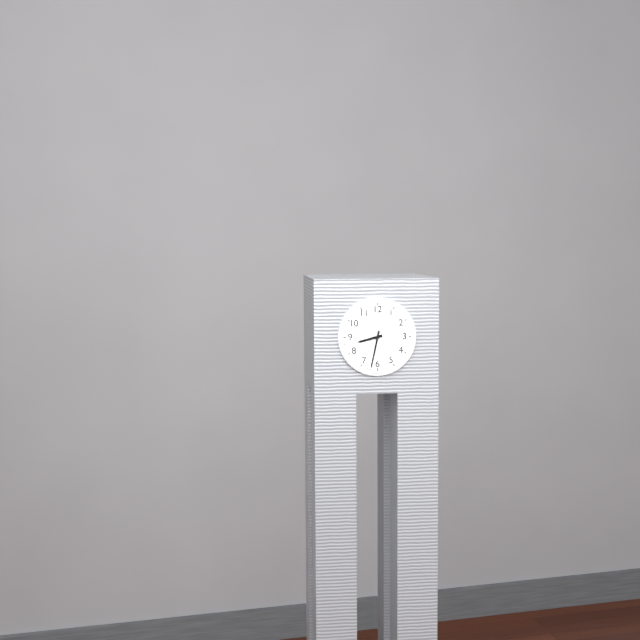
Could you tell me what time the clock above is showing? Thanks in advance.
8:32
